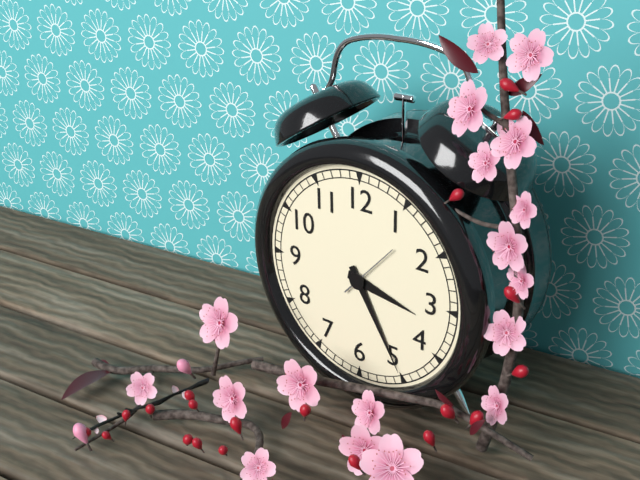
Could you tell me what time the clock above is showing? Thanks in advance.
3:25:07
